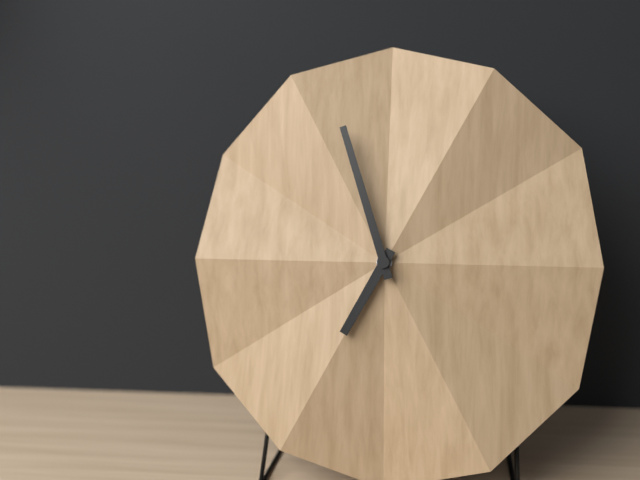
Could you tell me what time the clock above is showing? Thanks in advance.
6:57
